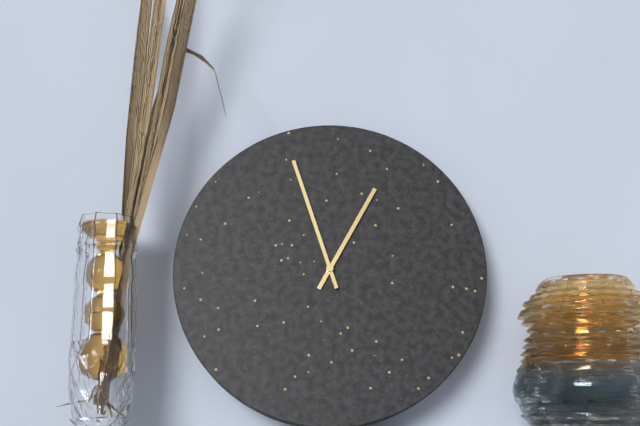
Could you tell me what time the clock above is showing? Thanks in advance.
12:57
